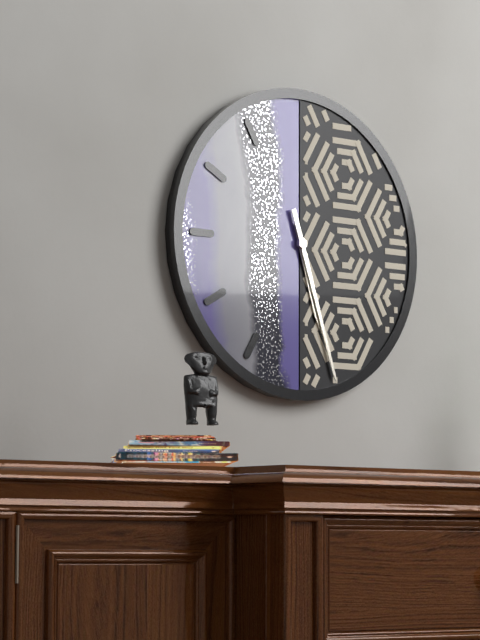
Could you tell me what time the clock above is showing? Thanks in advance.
5:27
